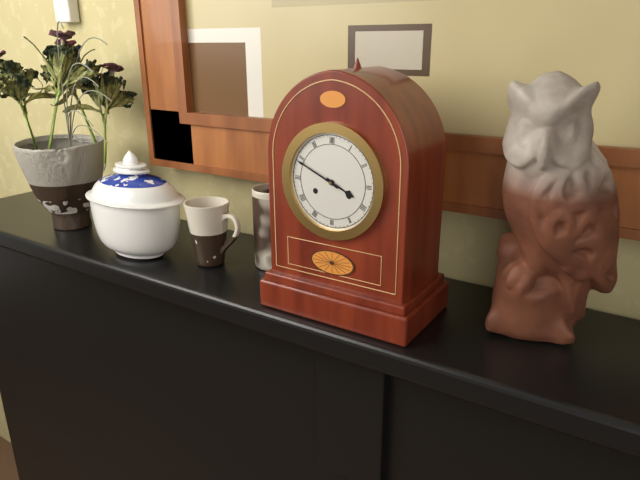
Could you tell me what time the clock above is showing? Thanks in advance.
3:49
